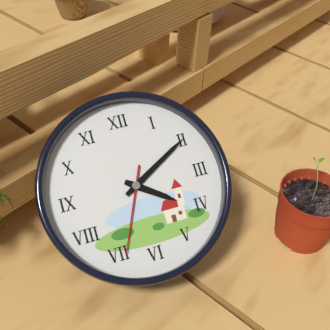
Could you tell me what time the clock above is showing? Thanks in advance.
4:10:34
